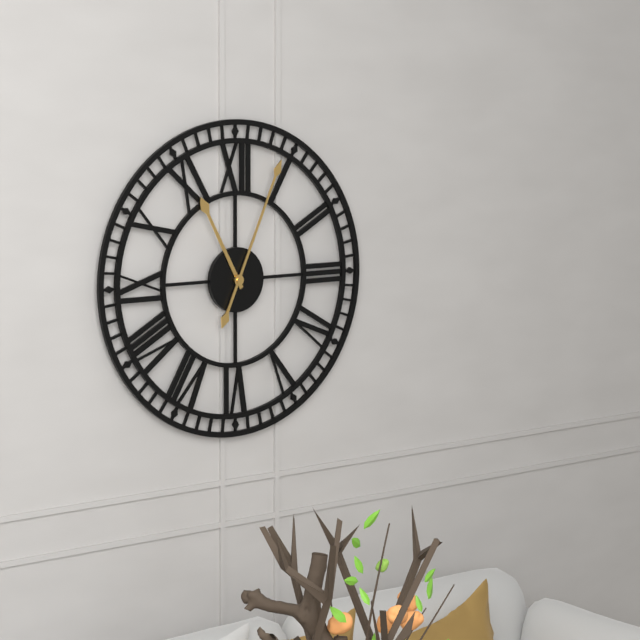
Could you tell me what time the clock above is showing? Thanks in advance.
11:04
